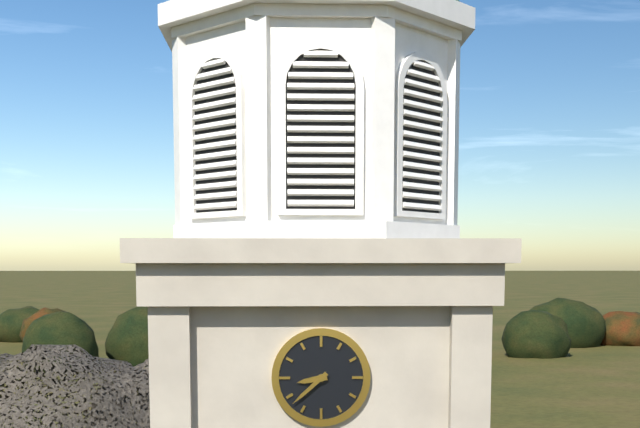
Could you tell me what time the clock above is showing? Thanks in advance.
8:38
